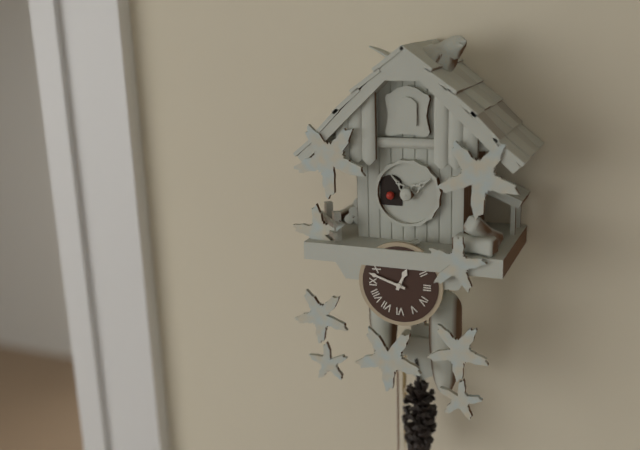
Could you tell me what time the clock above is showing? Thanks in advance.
12:48
